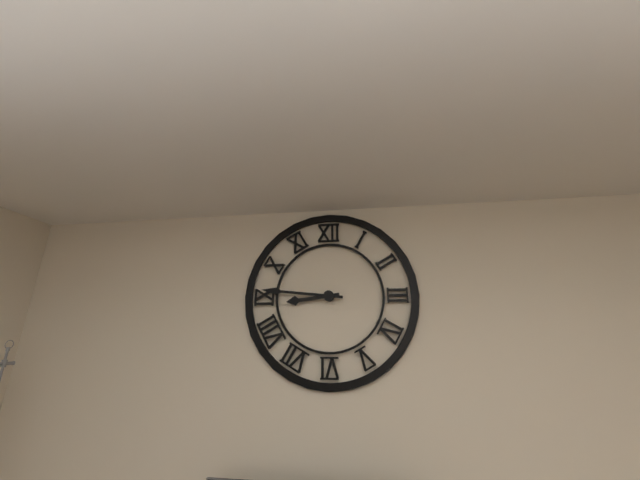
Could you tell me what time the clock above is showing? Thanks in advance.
8:46
